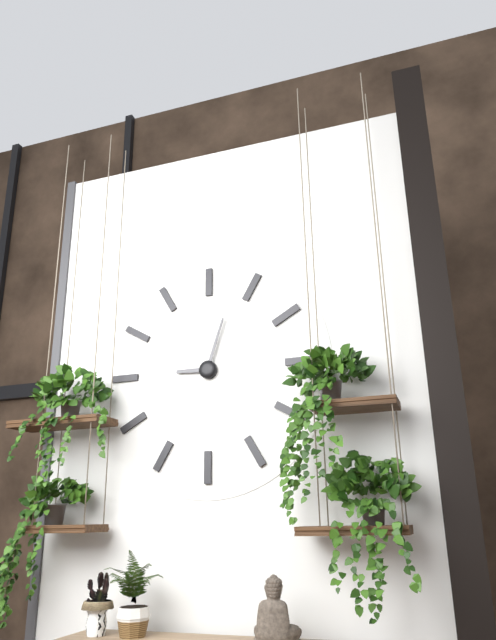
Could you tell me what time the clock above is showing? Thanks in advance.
9:03
